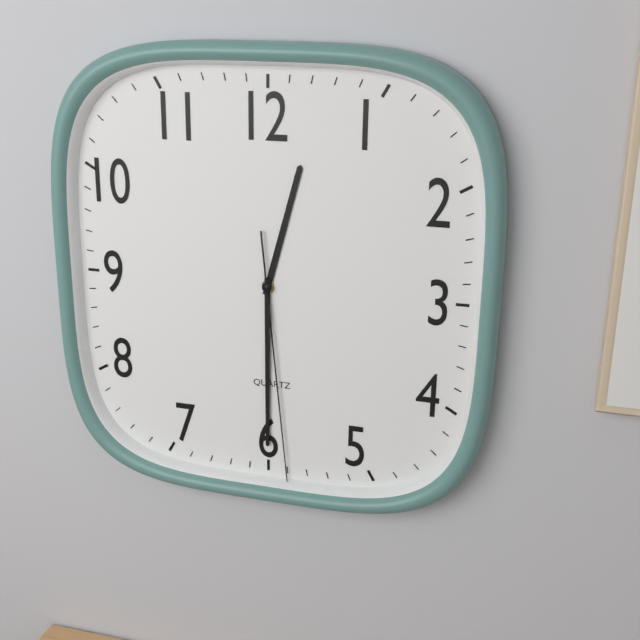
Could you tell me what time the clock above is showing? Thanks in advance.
12:30:29
